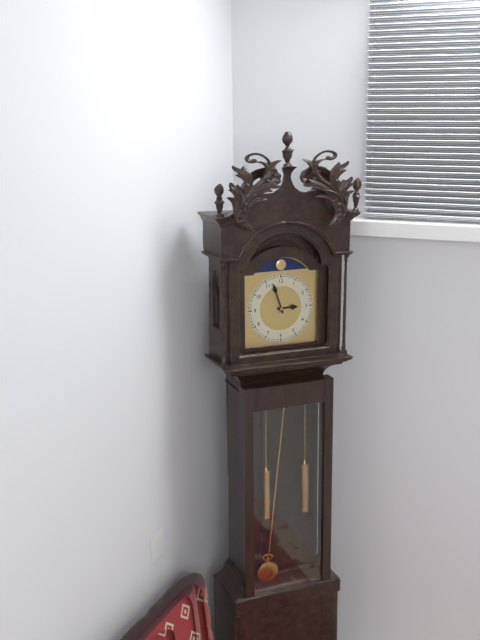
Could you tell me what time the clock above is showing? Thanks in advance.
2:57
